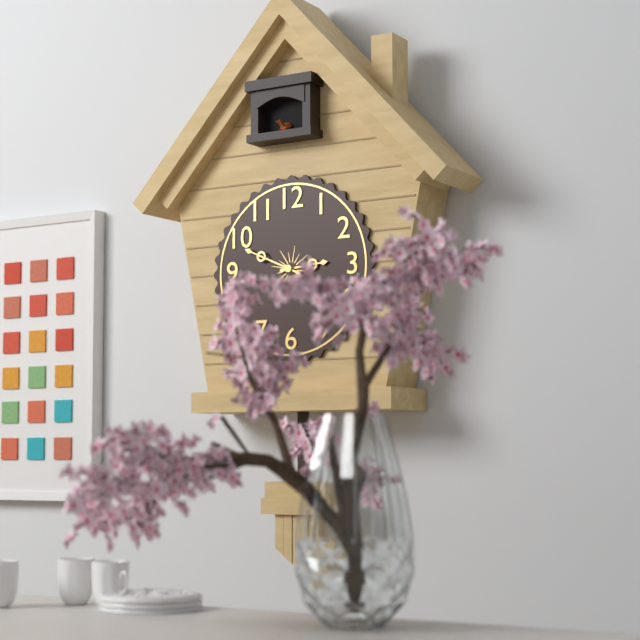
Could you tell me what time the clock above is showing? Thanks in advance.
2:49
